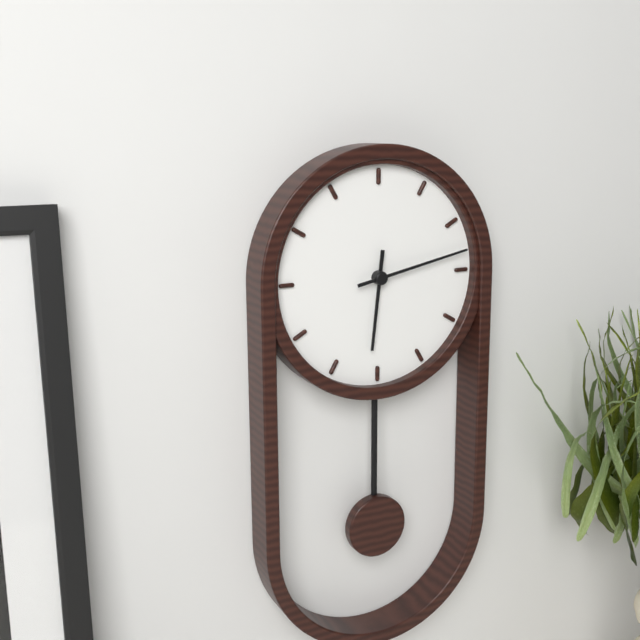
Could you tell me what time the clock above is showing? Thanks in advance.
6:13
